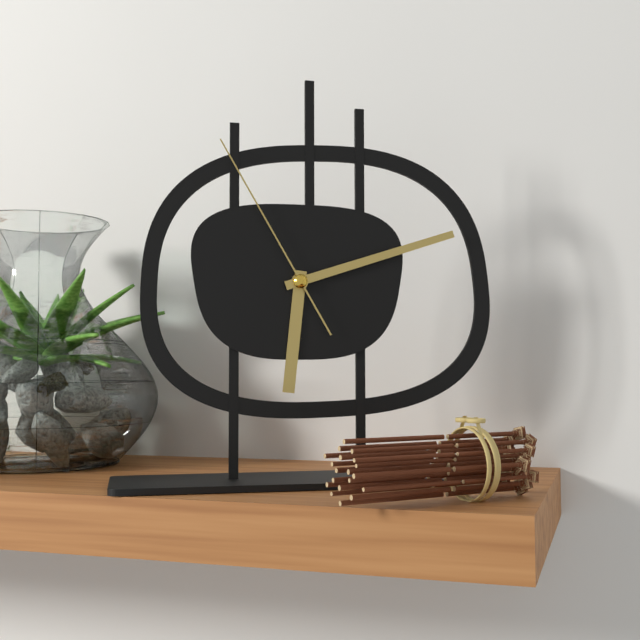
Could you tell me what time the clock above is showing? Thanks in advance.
6:12:55
